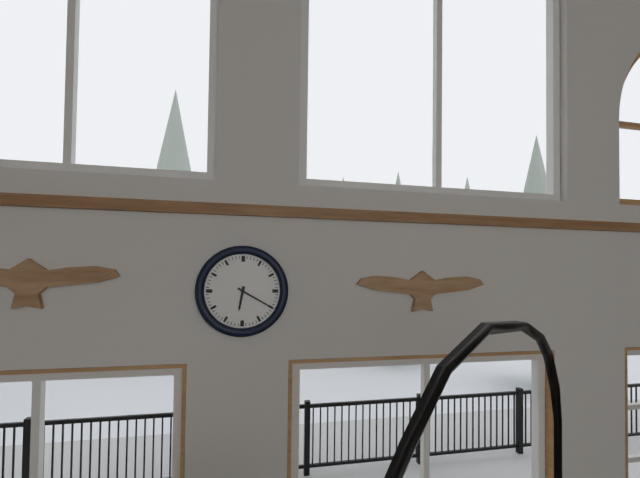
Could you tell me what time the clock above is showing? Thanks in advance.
6:20
